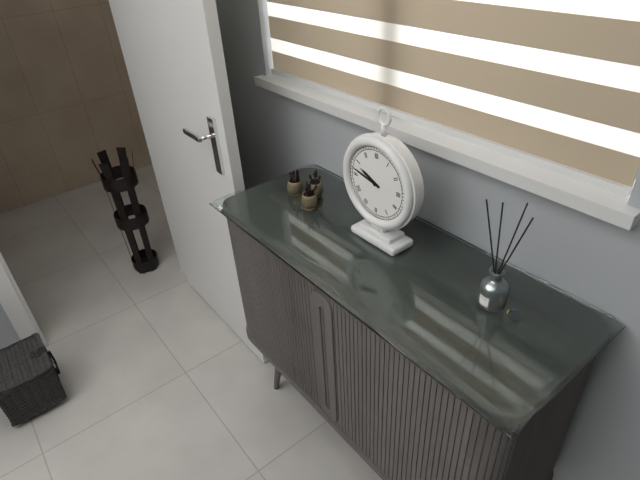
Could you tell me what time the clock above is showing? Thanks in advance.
9:47
